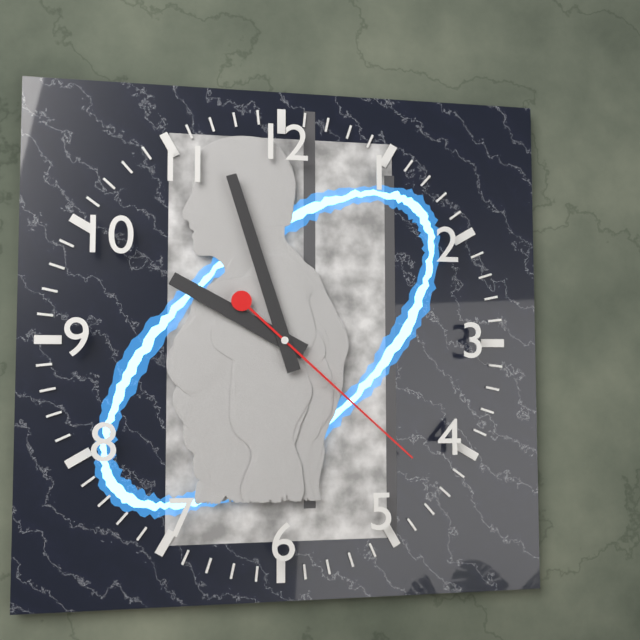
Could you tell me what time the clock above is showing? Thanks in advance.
9:57:22
